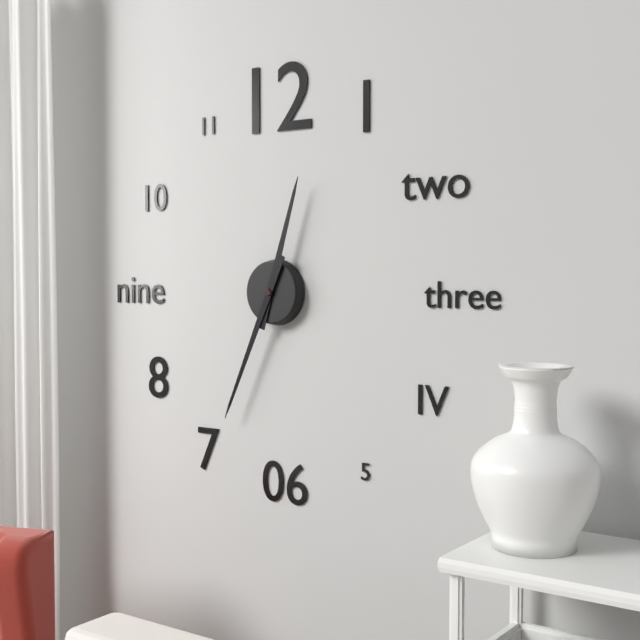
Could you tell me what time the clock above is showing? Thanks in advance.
12:34
